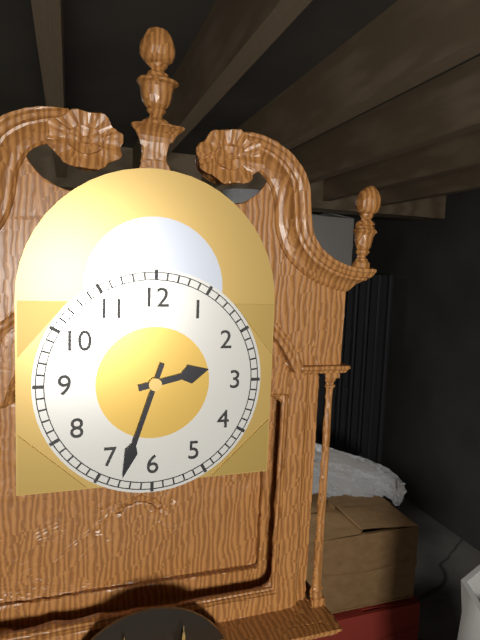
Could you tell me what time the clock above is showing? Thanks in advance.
2:33
